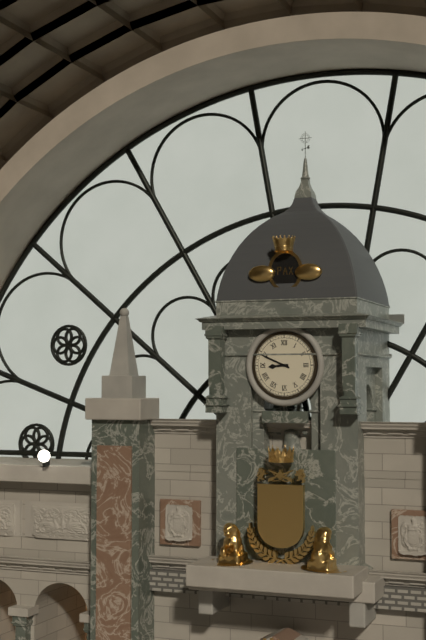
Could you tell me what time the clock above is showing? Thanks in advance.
8:49
